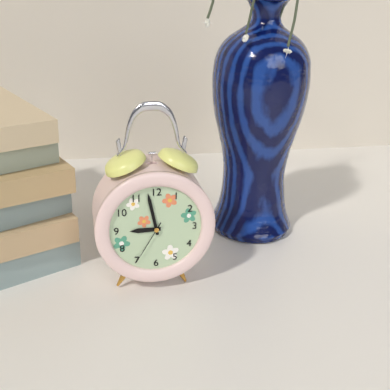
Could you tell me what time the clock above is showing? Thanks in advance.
8:58
